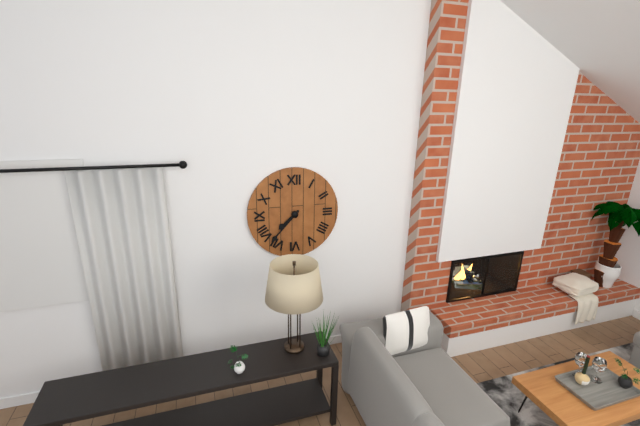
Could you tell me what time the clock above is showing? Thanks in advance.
7:37
